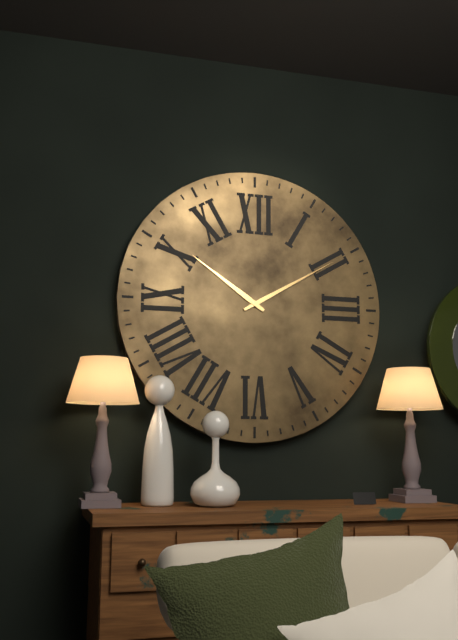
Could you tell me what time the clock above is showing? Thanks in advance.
10:10
